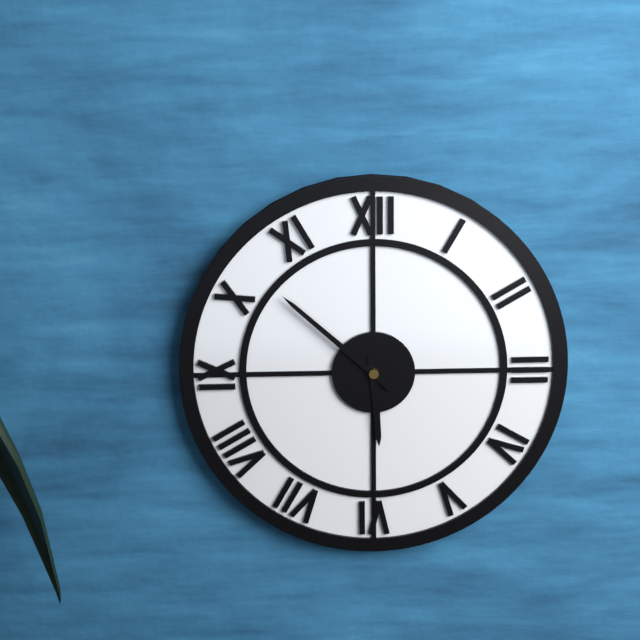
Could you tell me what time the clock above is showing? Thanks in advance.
5:52
